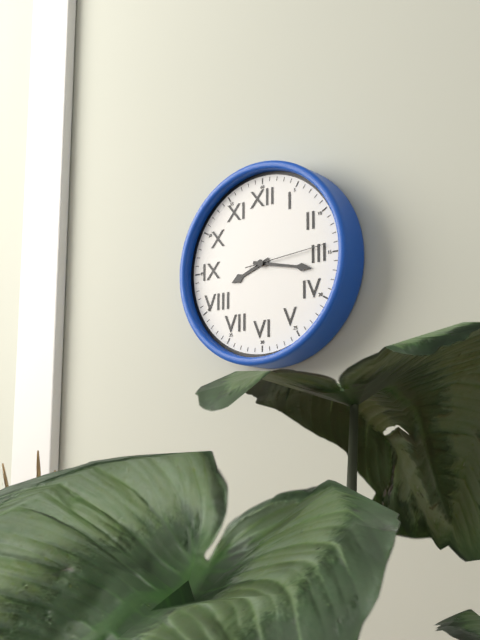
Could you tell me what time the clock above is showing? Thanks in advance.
8:17:14
